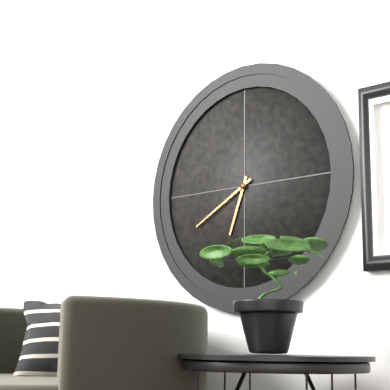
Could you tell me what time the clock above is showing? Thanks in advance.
6:40
